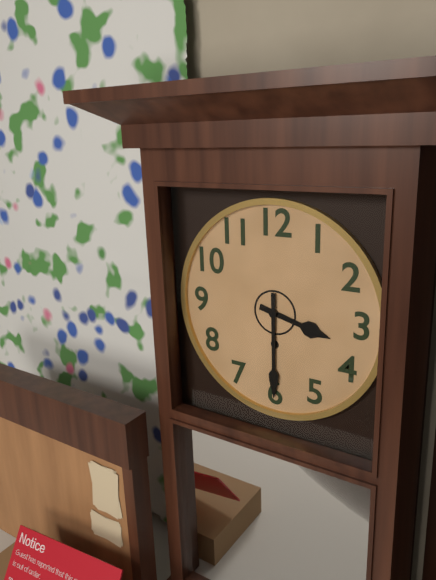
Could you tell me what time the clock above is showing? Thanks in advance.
3:30
